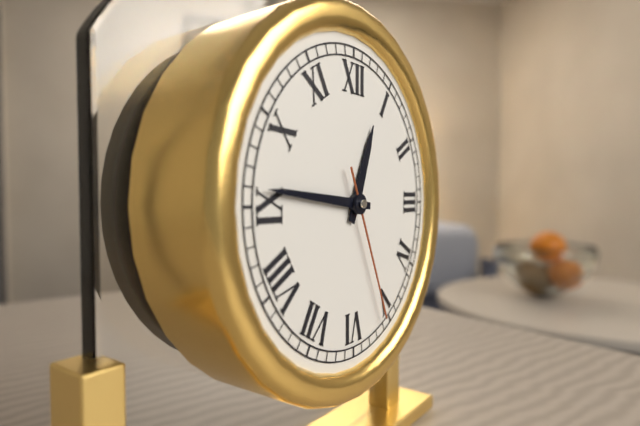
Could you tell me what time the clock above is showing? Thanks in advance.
12:46:26
